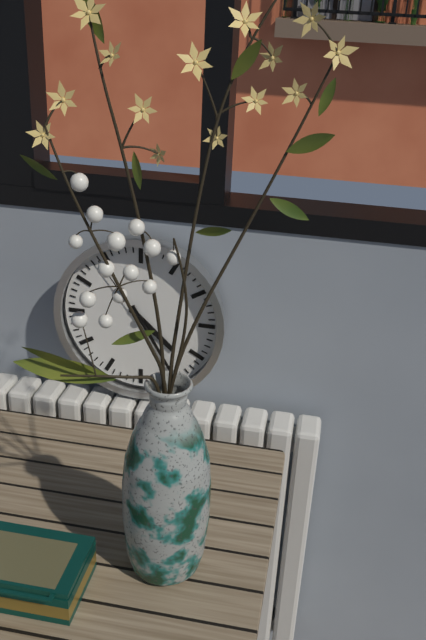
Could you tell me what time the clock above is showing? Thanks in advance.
4:25:54
